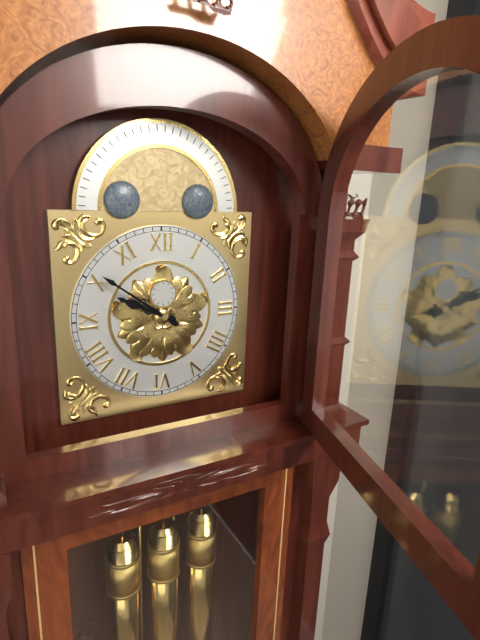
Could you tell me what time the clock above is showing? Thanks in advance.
9:51
